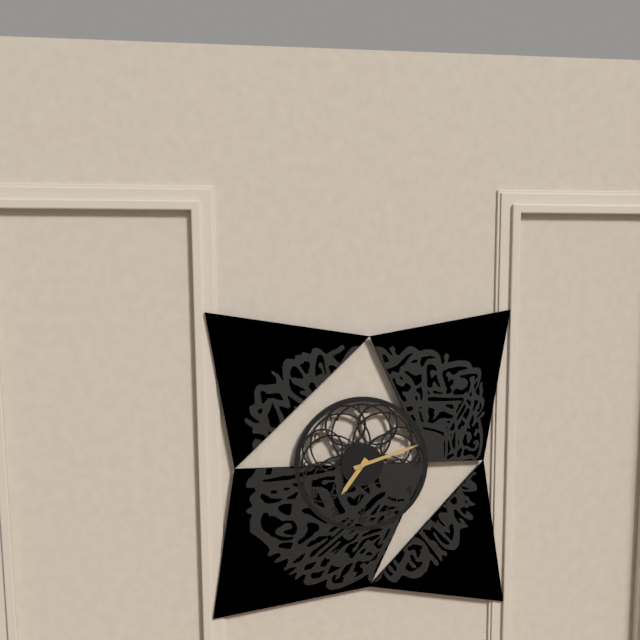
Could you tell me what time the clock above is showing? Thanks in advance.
7:12
